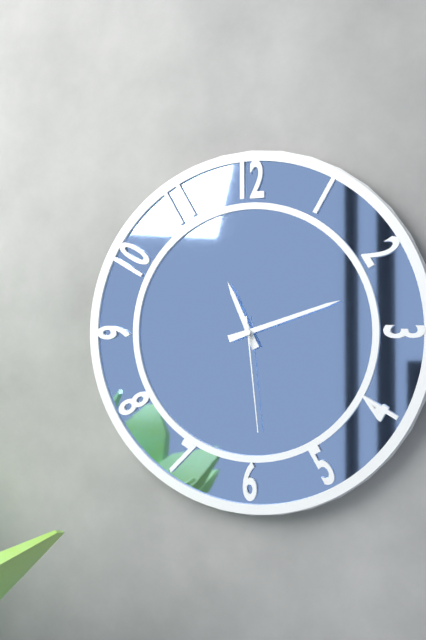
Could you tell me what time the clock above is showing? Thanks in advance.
11:12:29
